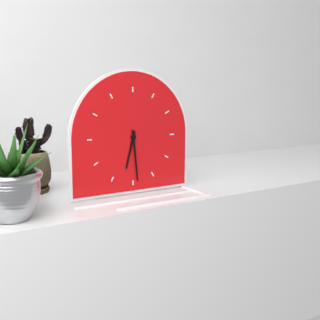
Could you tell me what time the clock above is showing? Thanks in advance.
6:29
